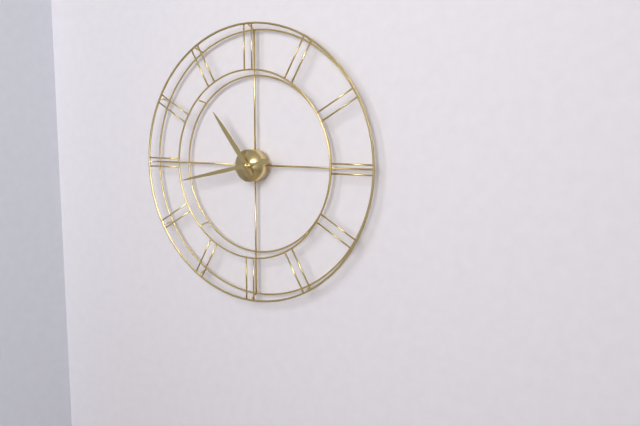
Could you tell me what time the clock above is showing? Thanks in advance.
10:43
